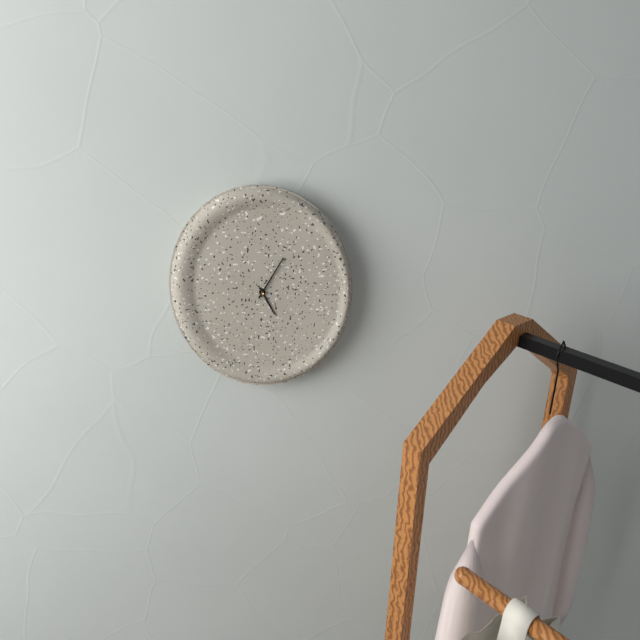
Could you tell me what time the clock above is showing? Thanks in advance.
5:05
